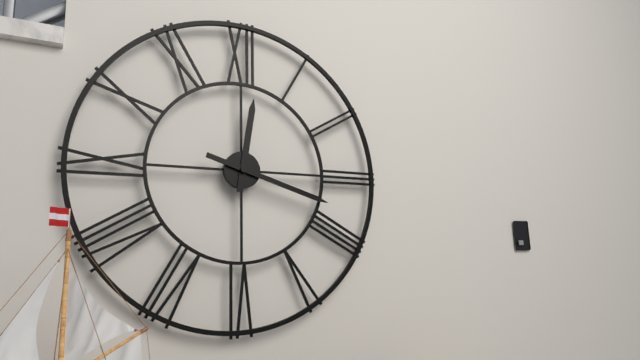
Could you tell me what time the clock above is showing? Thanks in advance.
12:18
